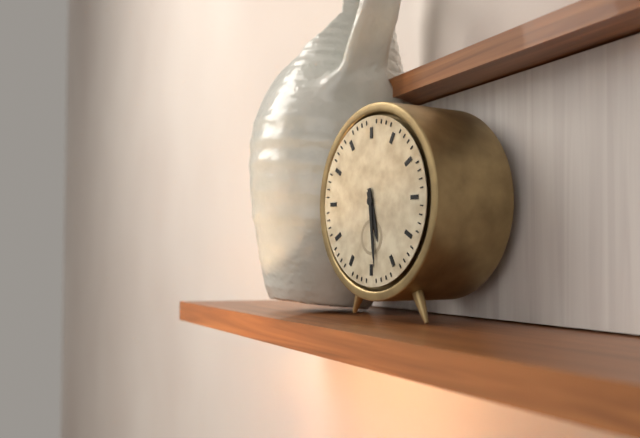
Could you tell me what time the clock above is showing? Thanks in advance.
5:29
